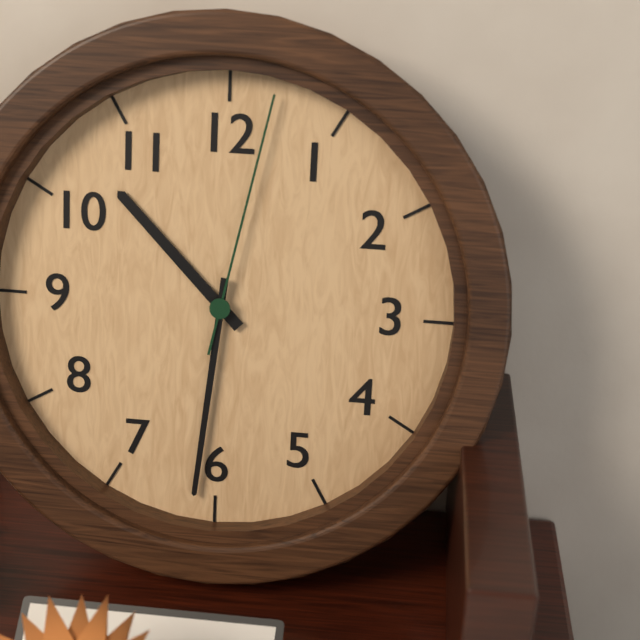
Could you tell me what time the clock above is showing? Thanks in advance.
10:31:02
